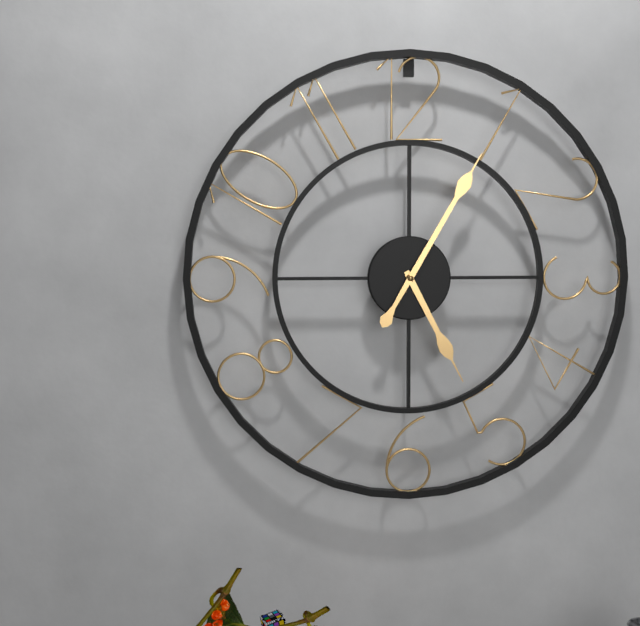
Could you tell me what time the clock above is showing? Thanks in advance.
5:05
